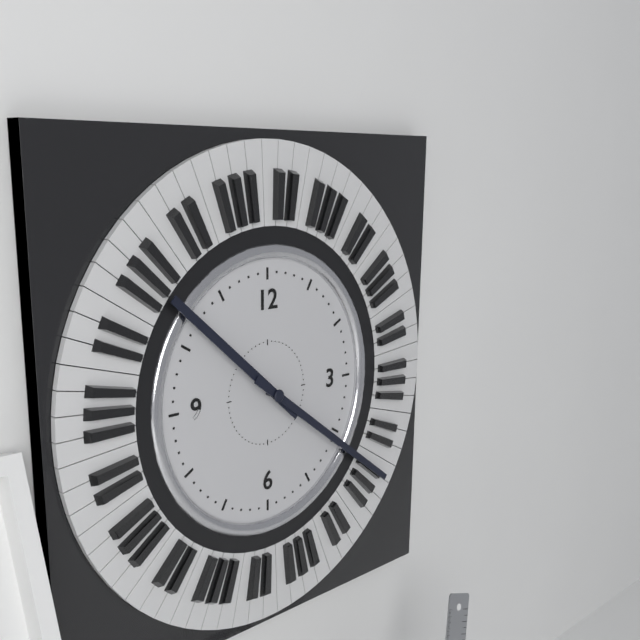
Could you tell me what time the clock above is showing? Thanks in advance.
10:21
